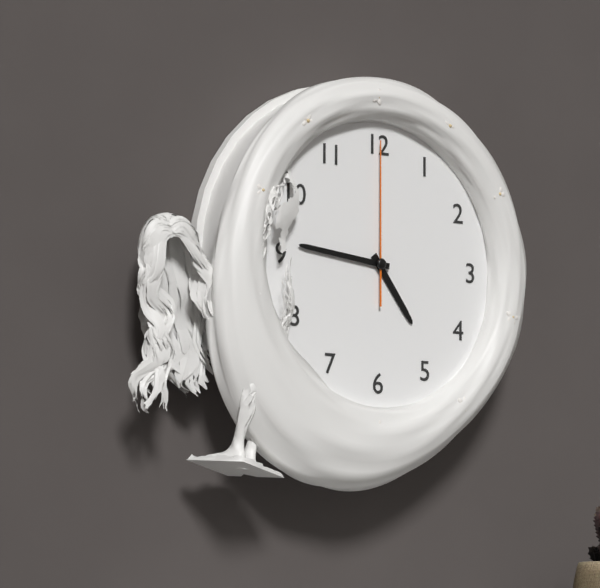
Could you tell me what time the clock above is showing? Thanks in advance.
4:46:00
